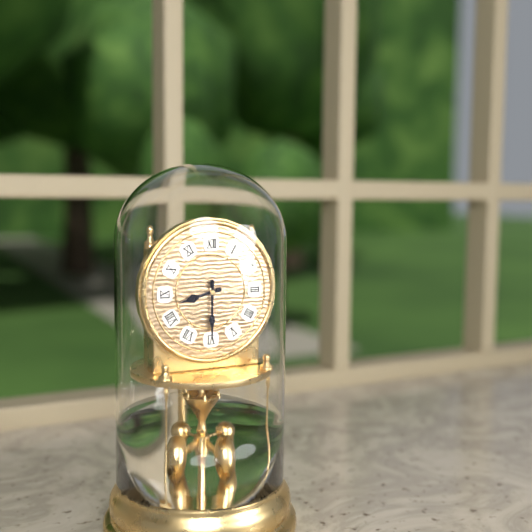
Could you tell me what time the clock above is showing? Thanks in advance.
8:30
